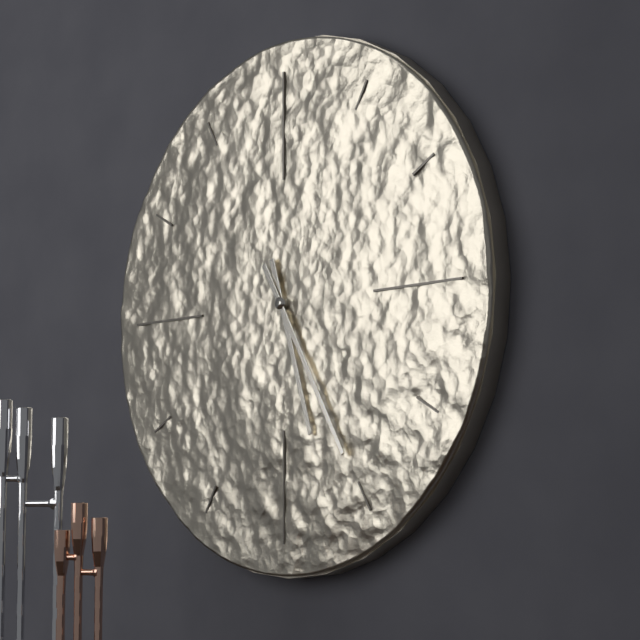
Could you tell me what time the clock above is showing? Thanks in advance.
5:25
